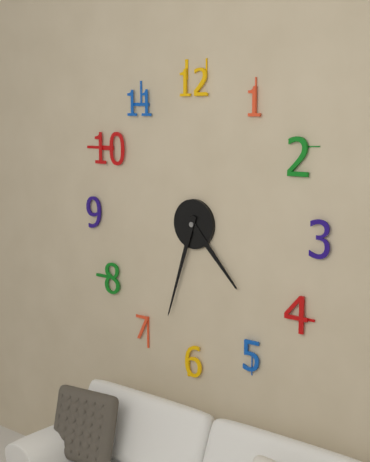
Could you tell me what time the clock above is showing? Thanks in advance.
4:33
